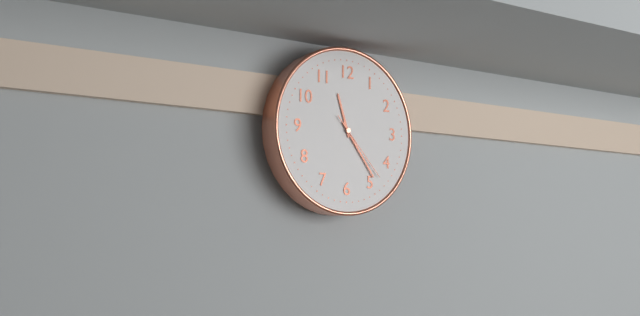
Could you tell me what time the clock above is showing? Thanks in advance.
11:24:23
